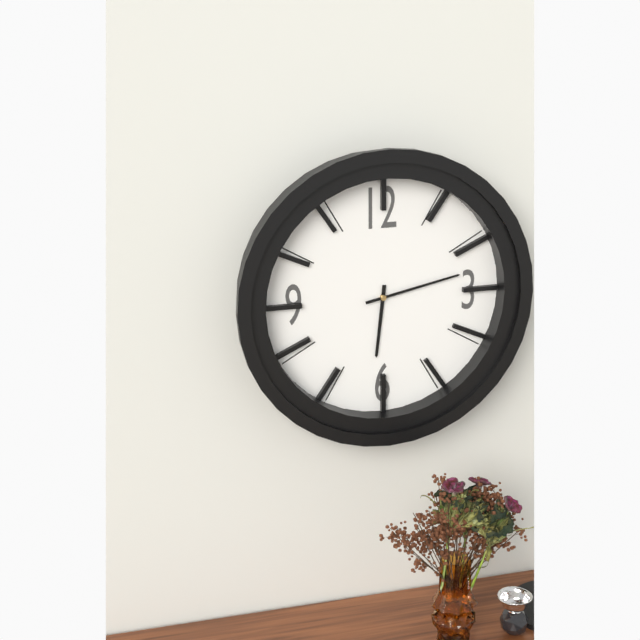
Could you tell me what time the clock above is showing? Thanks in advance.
6:13
